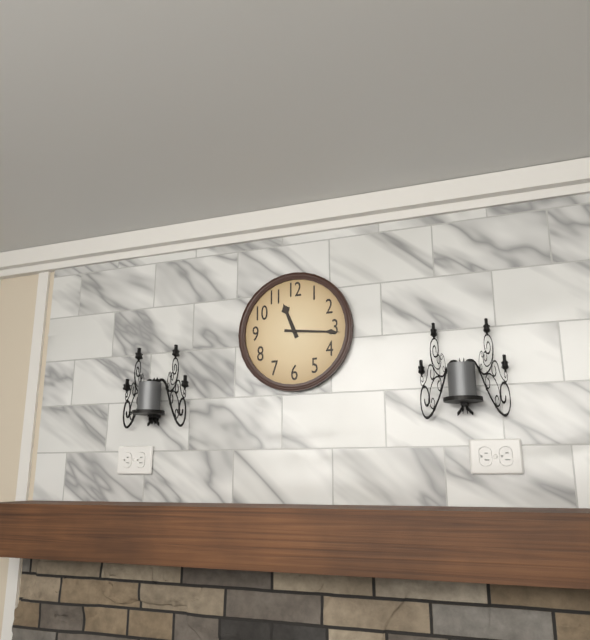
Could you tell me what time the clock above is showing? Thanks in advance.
11:16
